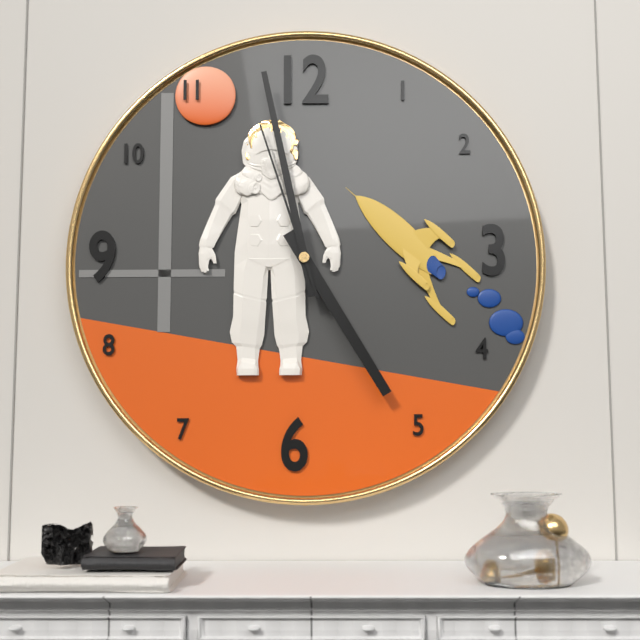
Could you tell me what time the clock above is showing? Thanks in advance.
4:58:57
